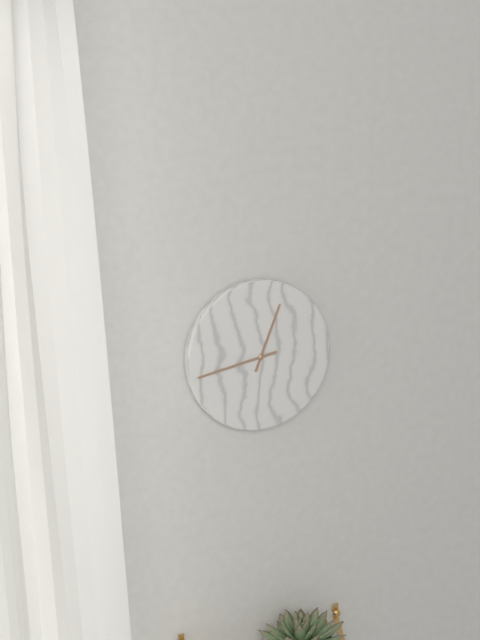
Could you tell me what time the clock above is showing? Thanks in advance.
12:43
